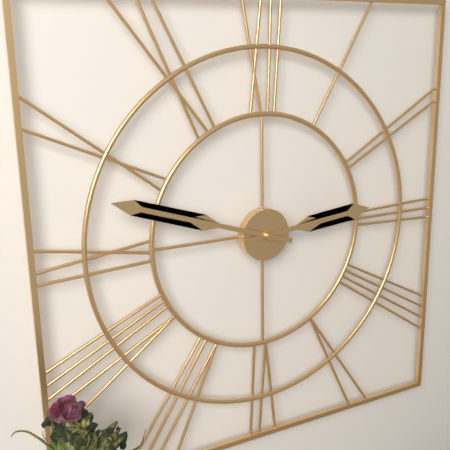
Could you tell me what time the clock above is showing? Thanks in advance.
2:48
